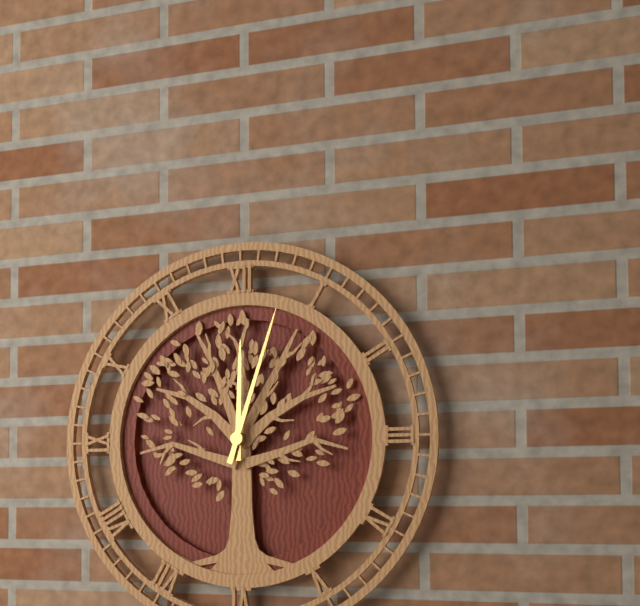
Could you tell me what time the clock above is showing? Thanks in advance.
12:03
